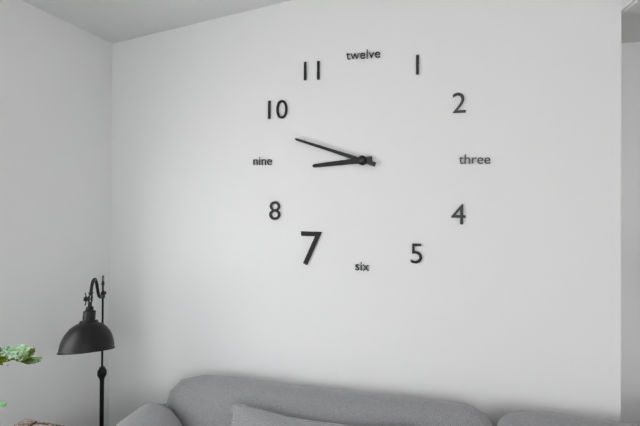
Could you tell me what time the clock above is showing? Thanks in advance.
8:48
